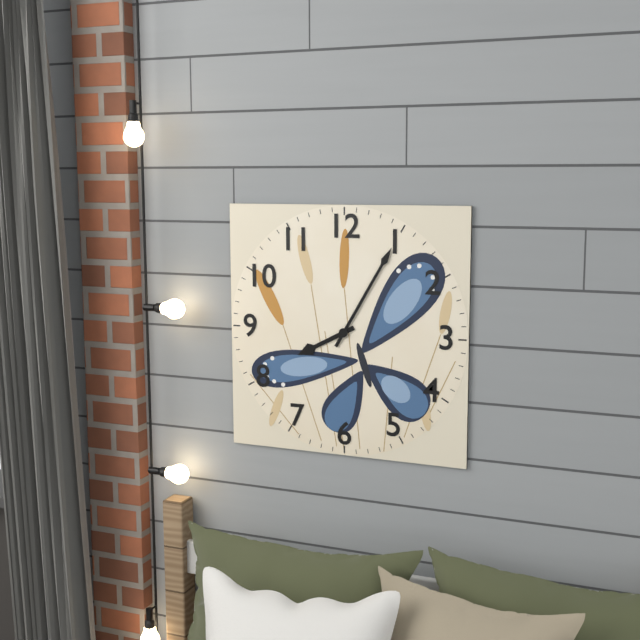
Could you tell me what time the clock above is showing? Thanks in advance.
8:05
